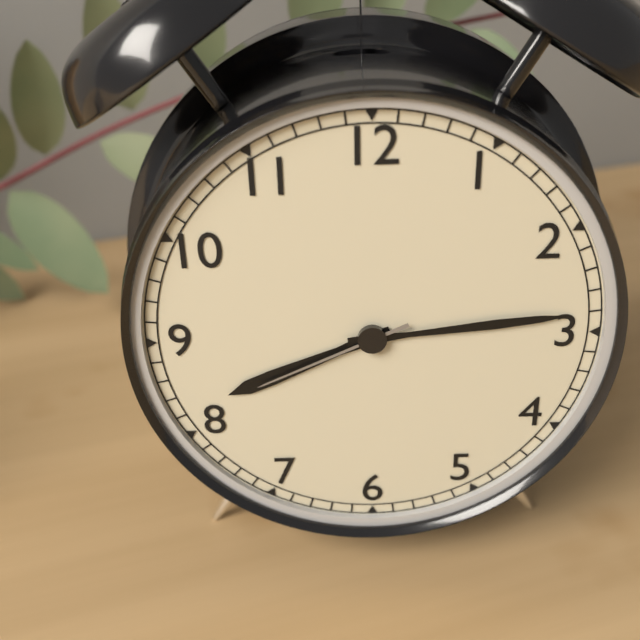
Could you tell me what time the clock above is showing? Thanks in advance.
8:14:41
